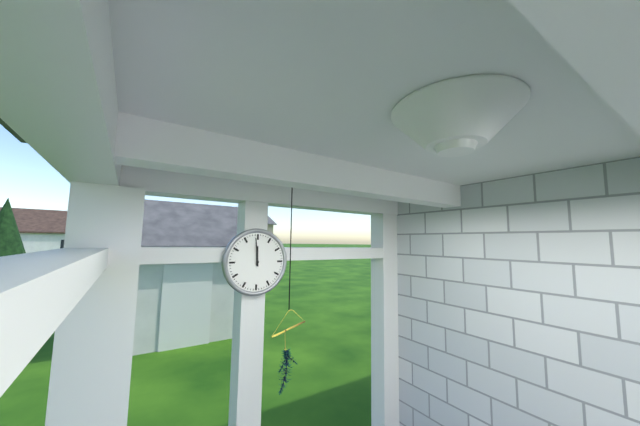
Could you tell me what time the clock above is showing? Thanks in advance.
11:59
